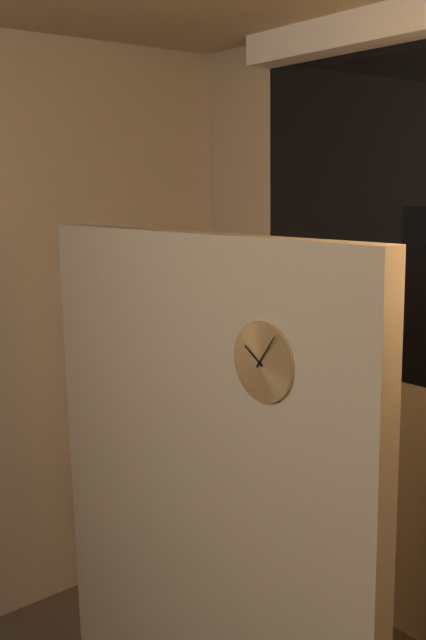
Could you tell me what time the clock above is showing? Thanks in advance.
10:06
